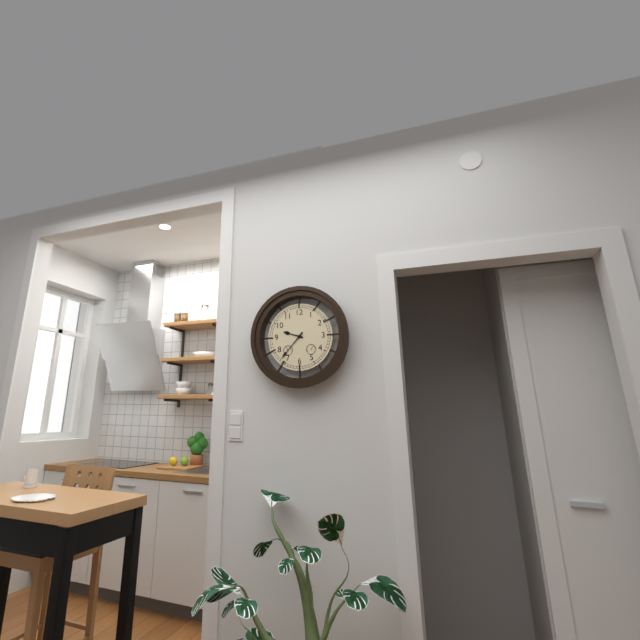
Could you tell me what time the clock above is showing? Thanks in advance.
9:37
